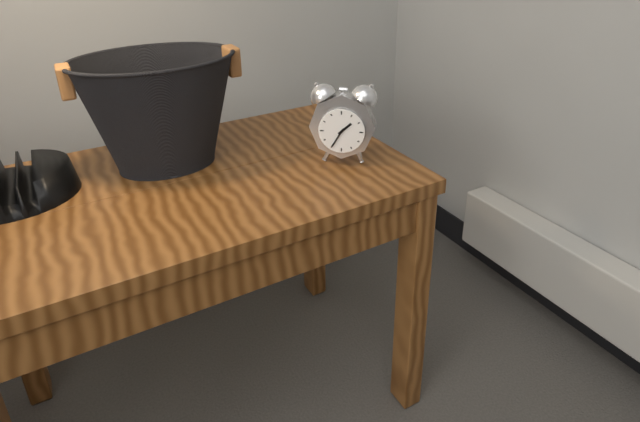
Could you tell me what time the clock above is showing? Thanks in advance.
1:35
